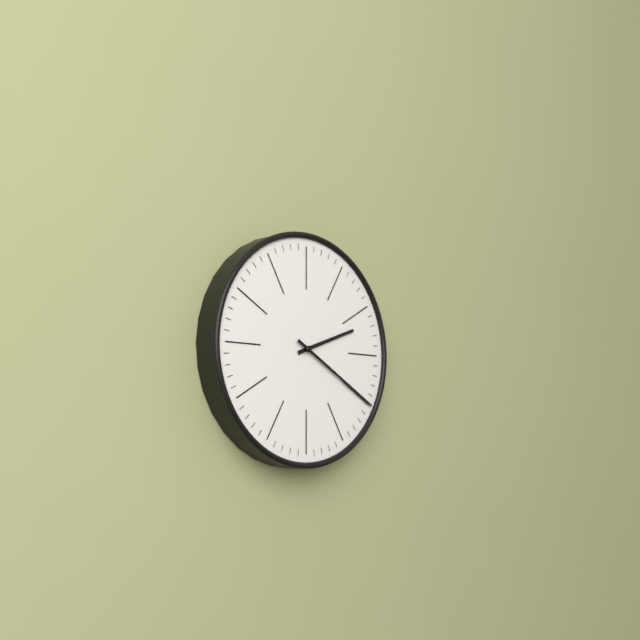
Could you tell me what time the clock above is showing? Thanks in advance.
2:20
